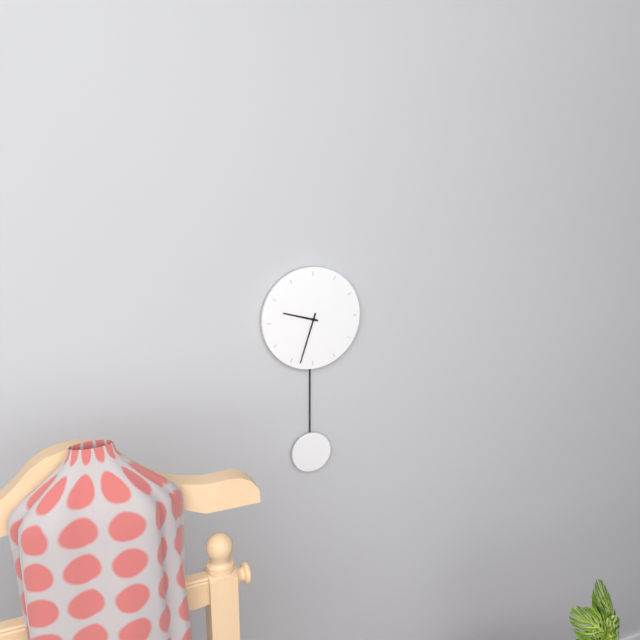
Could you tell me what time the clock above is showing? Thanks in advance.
9:33
